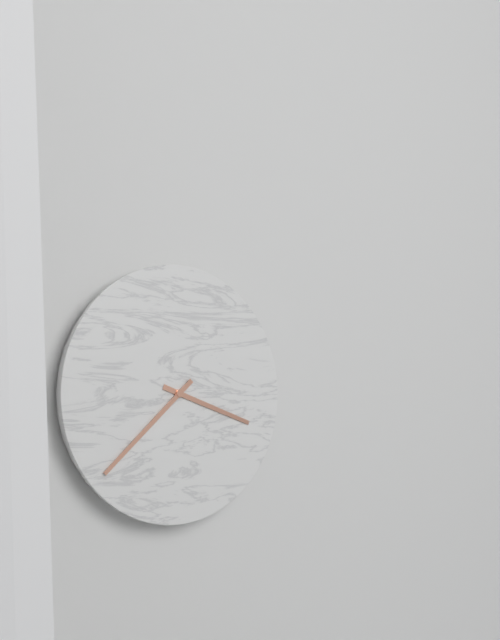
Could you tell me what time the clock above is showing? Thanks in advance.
3:38
